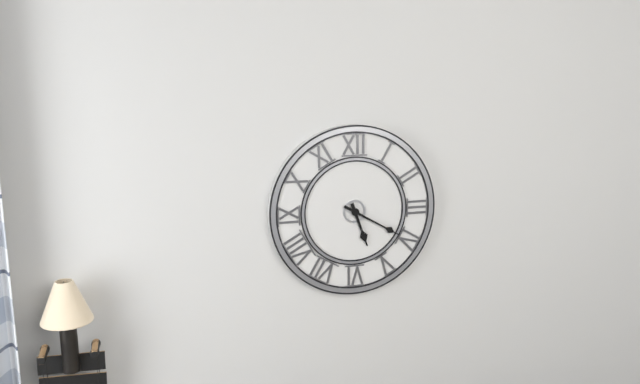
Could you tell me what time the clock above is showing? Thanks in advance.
5:20
